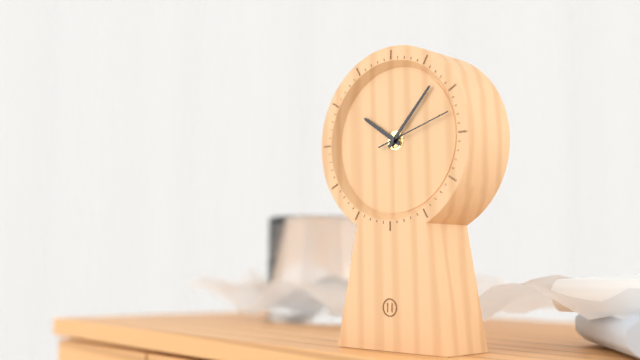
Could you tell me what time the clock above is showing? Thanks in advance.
10:07:12
